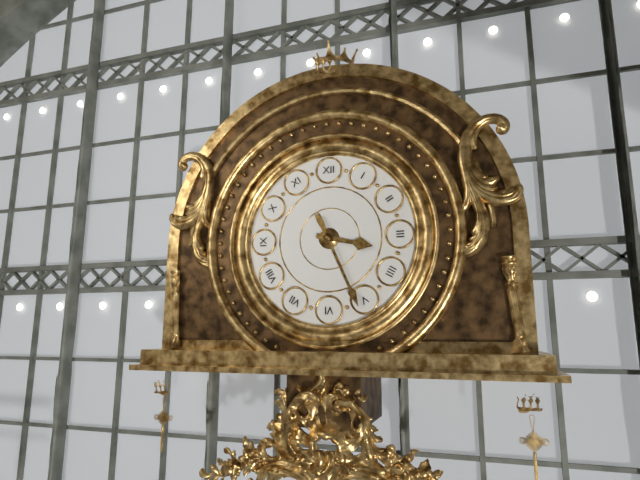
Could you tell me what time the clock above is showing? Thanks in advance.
3:26
